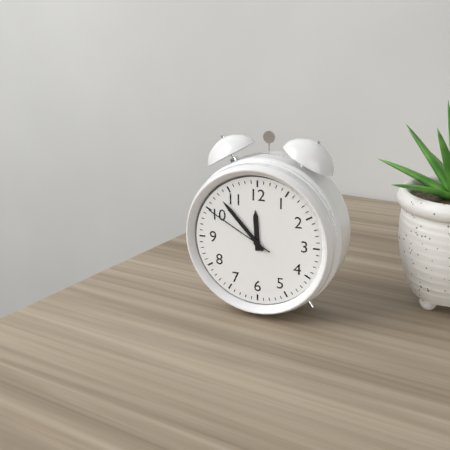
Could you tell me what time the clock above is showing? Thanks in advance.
11:53:50
